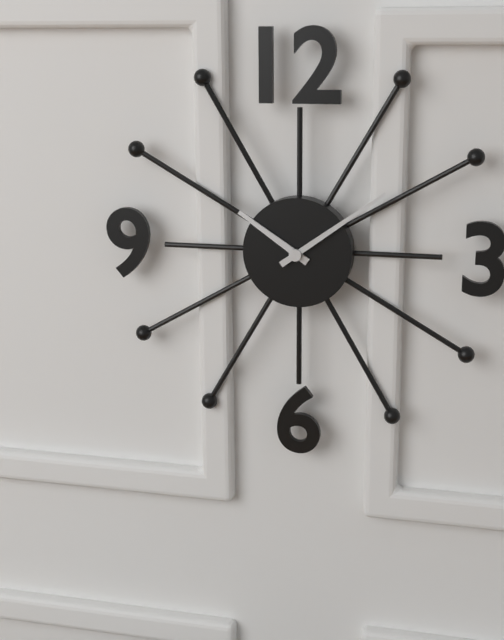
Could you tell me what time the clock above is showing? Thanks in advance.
10:09
